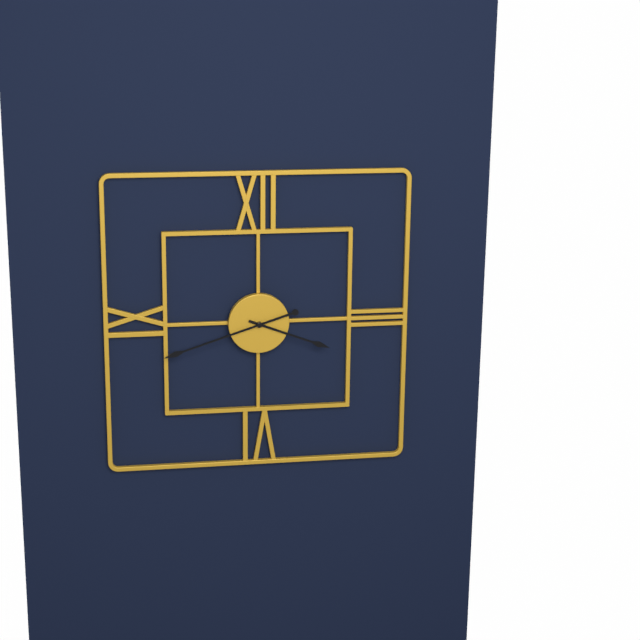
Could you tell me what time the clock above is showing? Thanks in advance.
3:42
